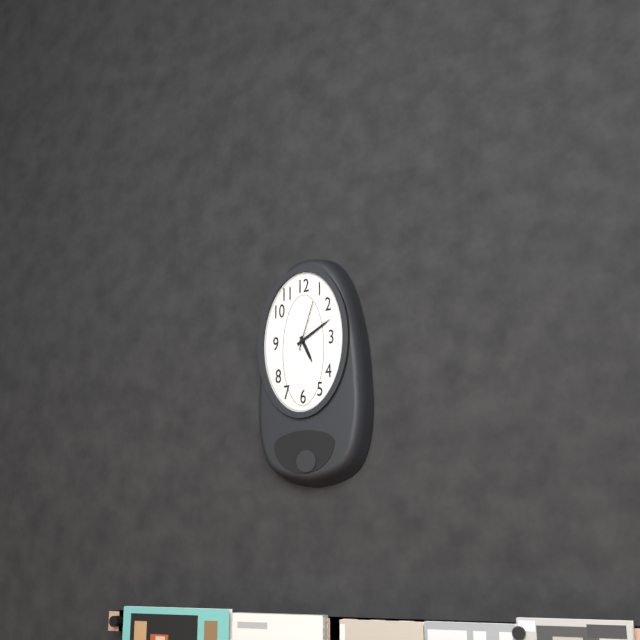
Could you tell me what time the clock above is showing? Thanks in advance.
5:10:03
